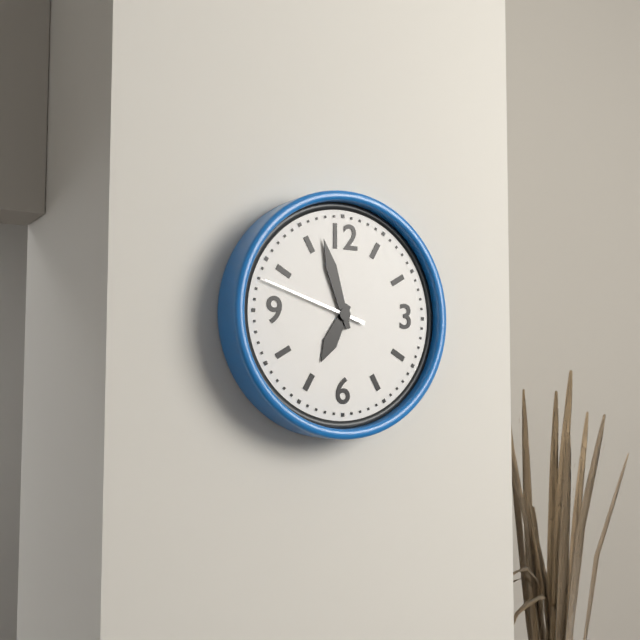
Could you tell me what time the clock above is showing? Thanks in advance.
6:57:48
